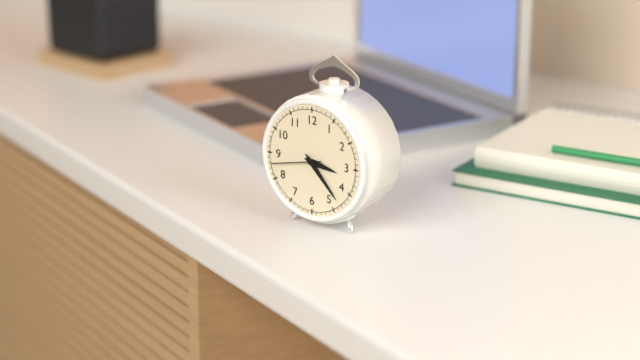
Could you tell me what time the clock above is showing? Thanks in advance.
3:23
